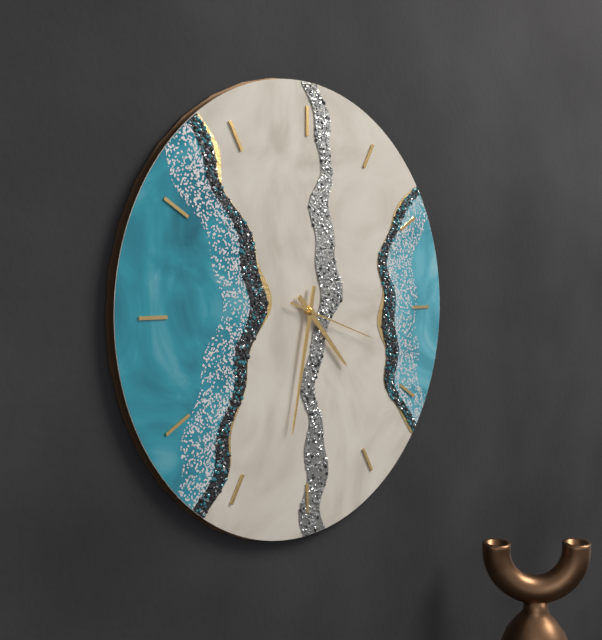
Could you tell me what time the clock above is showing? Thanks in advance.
4:32:18
